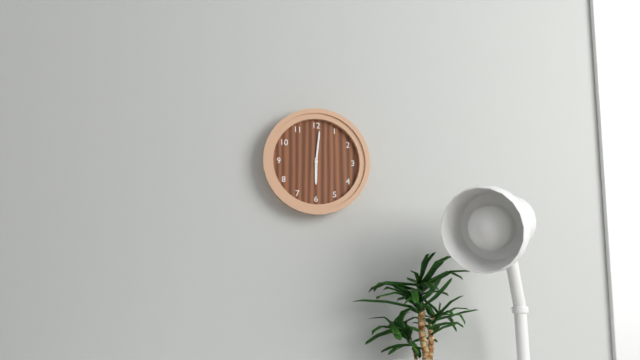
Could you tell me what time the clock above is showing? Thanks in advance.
6:01
